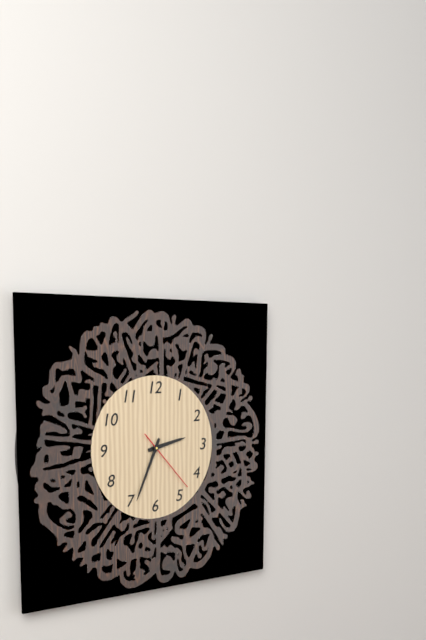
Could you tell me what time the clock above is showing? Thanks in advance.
2:34:23
